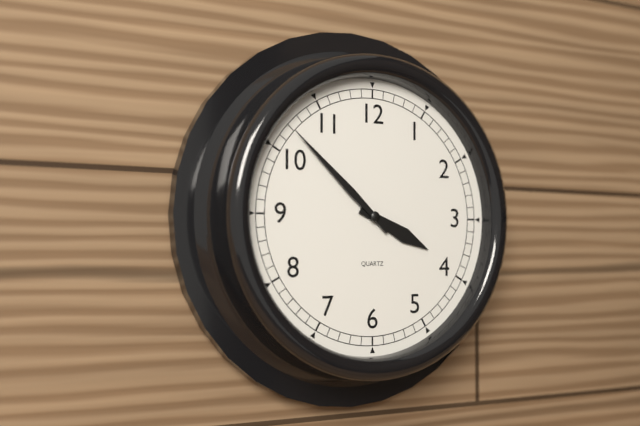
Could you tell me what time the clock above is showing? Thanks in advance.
3:52
